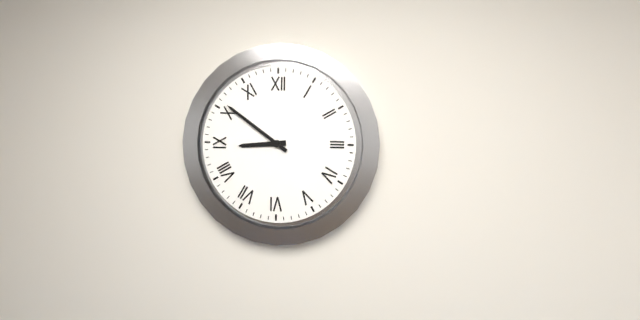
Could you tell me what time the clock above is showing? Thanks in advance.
8:51
